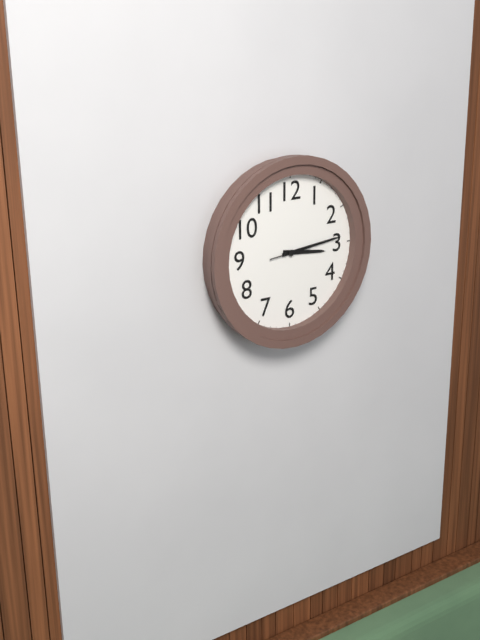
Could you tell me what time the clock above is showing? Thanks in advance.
3:14:14
